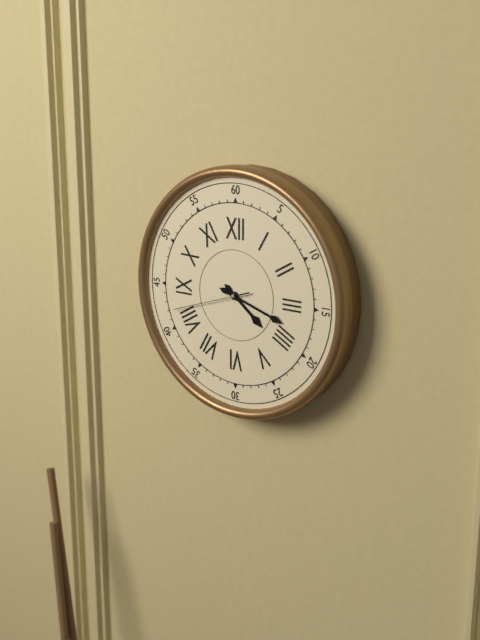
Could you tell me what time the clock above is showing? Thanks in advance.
4:18:42
